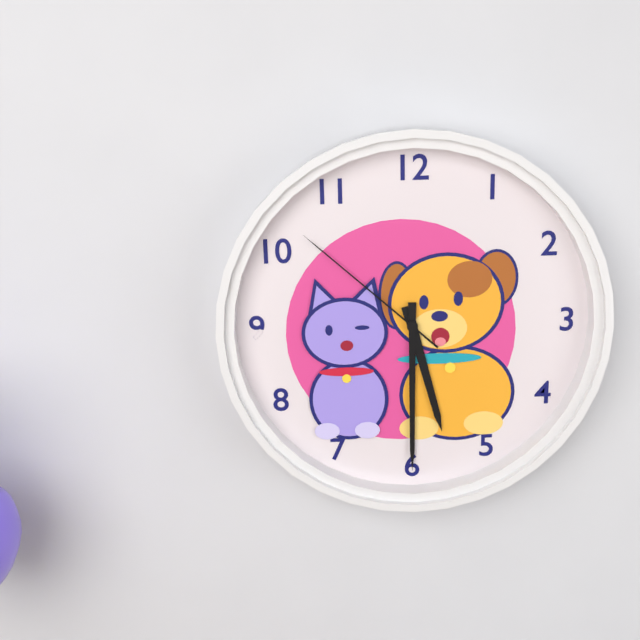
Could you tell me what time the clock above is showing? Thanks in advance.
5:30:52
